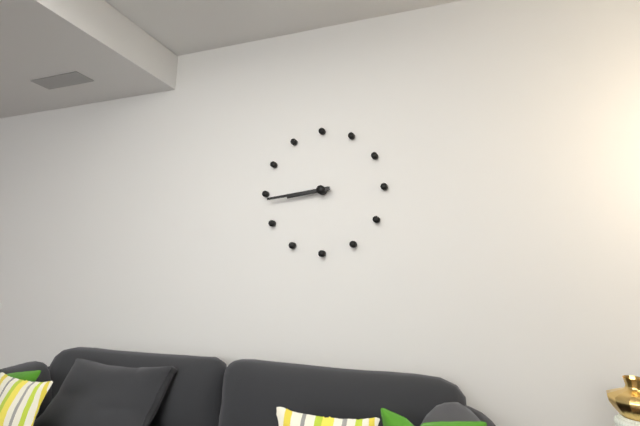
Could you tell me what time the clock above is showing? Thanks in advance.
8:44
